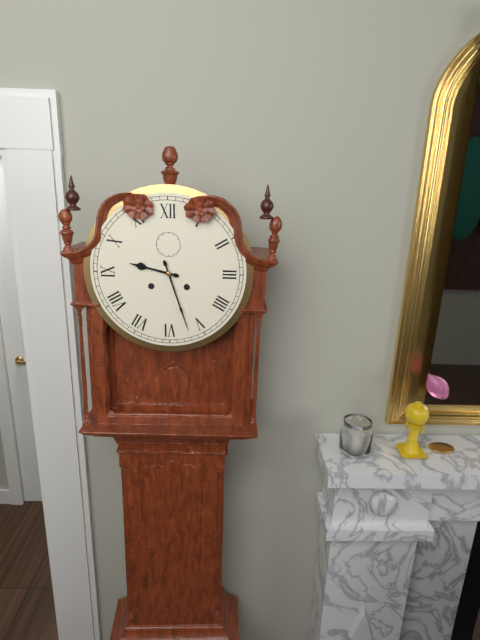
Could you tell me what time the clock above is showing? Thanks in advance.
9:27
